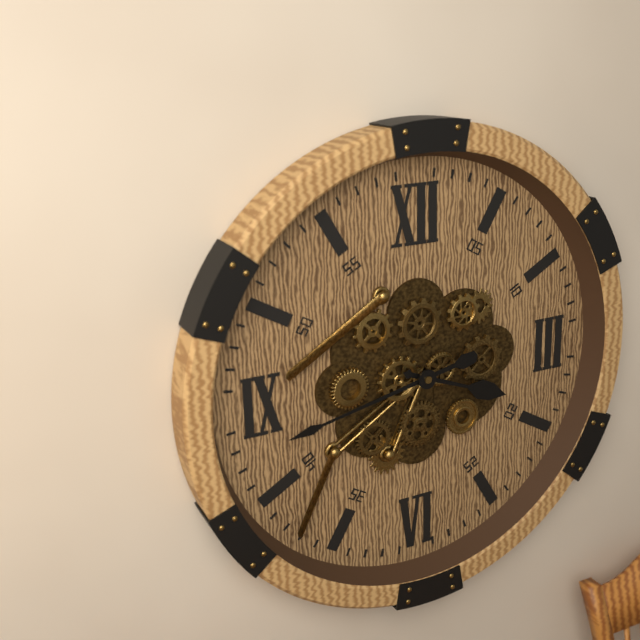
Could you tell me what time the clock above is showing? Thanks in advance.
3:43
